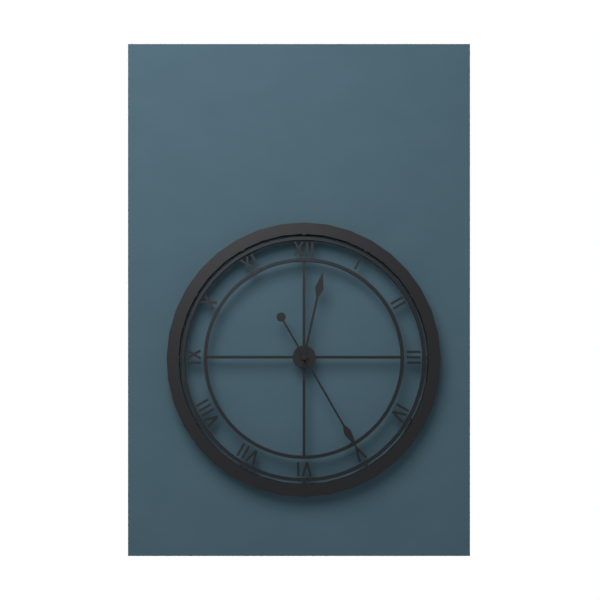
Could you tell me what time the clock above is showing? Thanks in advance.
12:25
